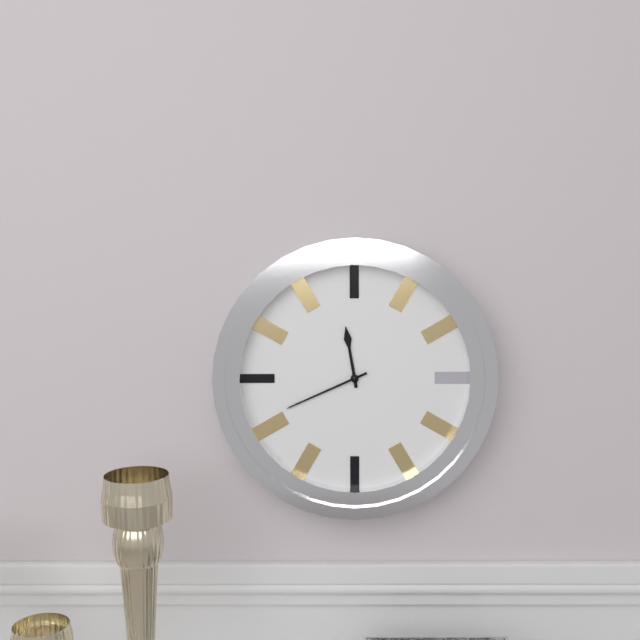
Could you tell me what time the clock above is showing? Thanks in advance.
11:41
